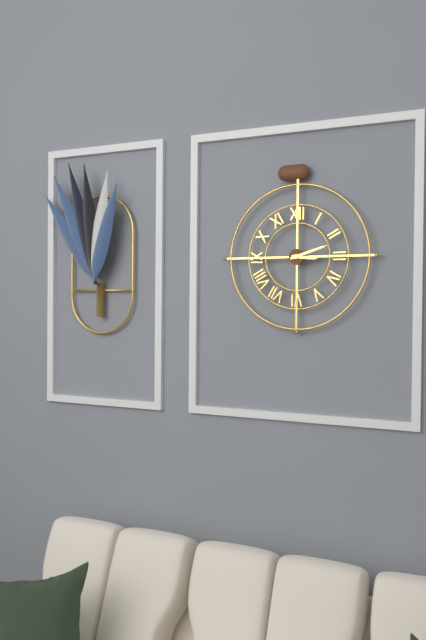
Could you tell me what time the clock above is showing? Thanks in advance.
3:12
